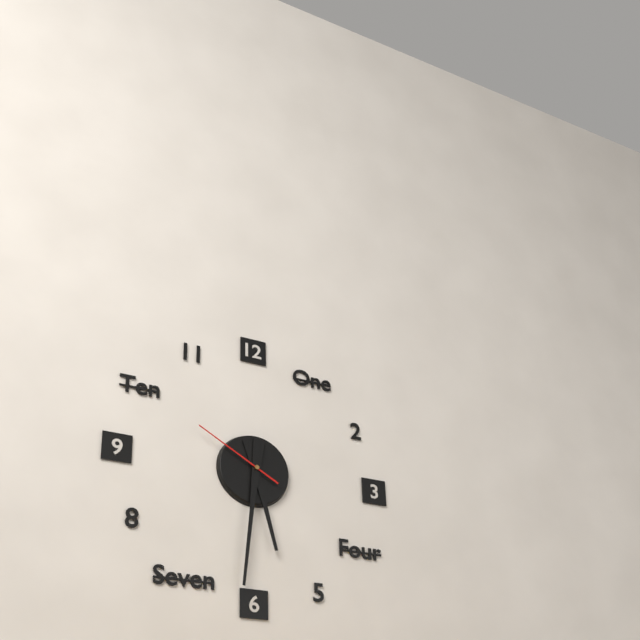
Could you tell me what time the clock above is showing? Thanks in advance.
5:31:50
